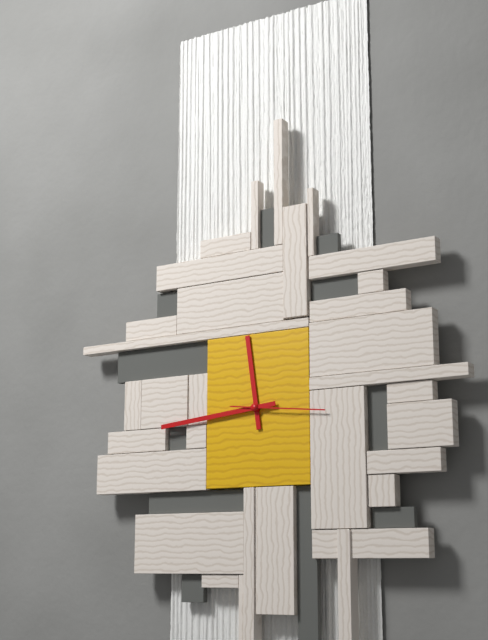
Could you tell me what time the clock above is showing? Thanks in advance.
11:44:16
